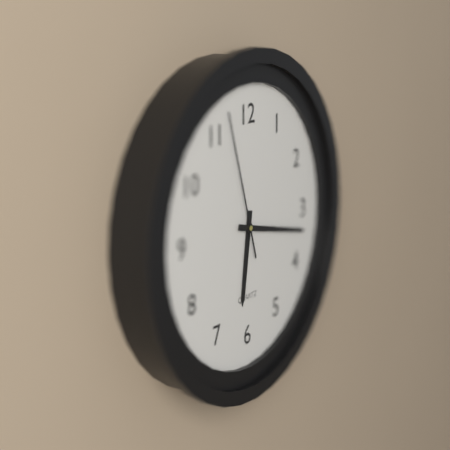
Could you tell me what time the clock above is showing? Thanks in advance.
6:17:57
